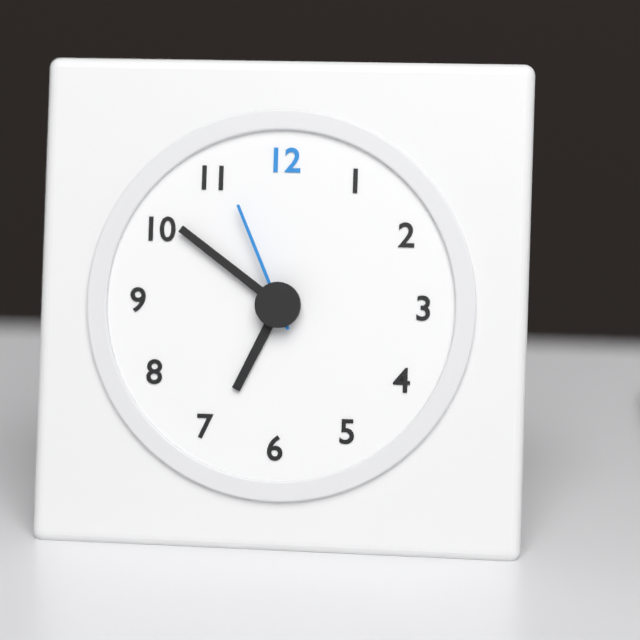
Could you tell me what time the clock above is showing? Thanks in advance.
6:51:56
